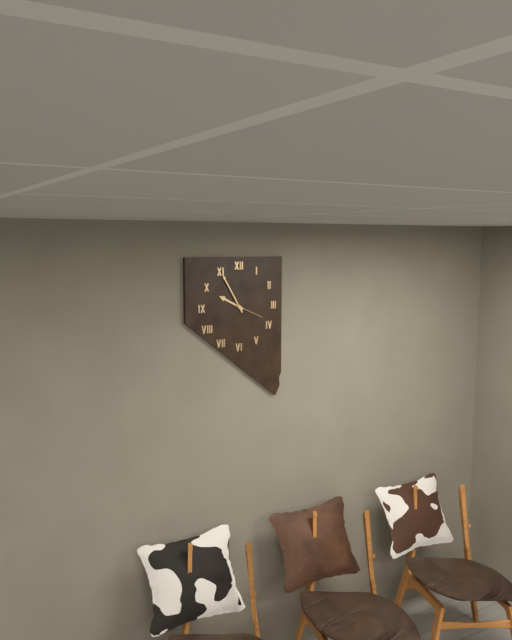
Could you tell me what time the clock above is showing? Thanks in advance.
9:55
